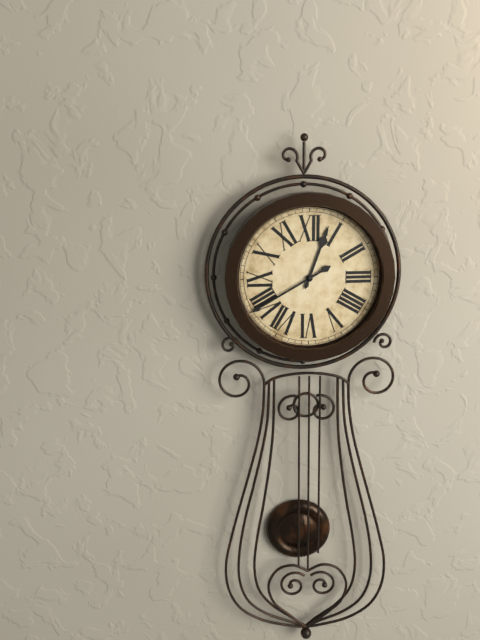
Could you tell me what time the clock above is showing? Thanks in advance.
12:40
